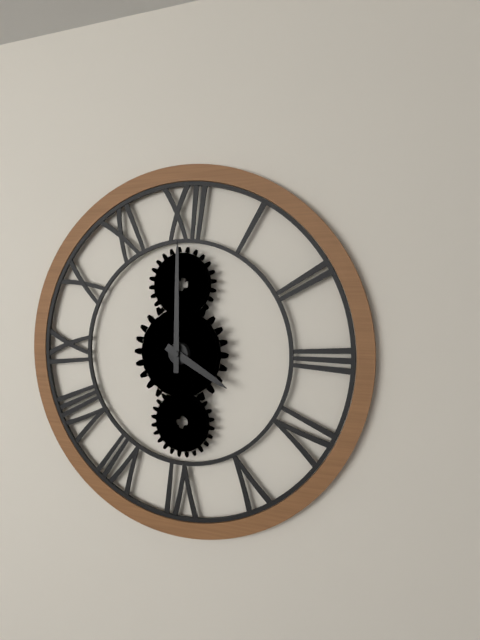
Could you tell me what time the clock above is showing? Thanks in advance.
4:00
